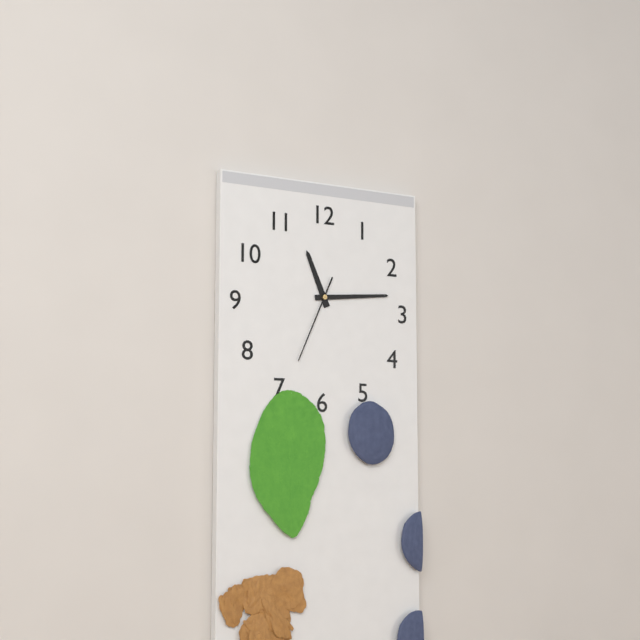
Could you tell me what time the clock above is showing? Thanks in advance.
11:14:34
